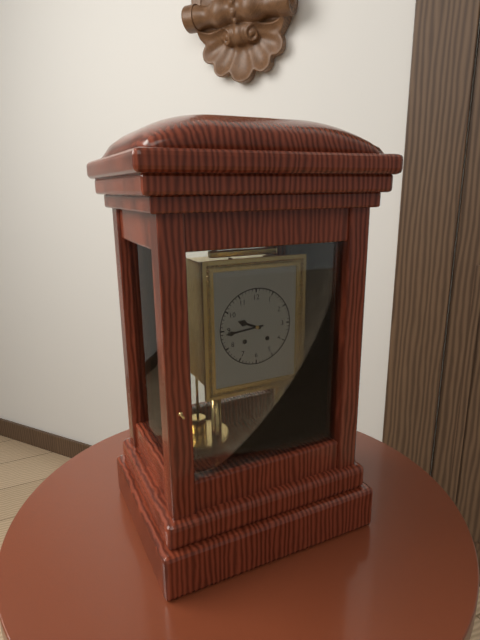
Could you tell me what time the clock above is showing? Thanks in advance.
9:44
